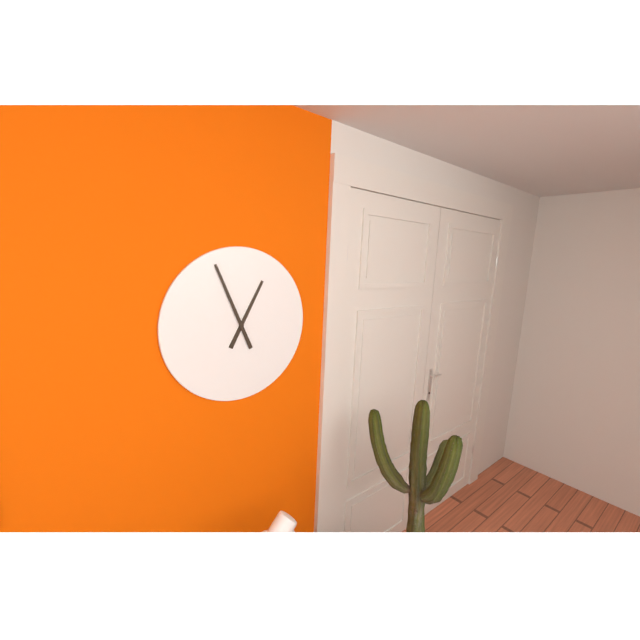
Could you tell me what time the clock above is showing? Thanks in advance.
12:56
